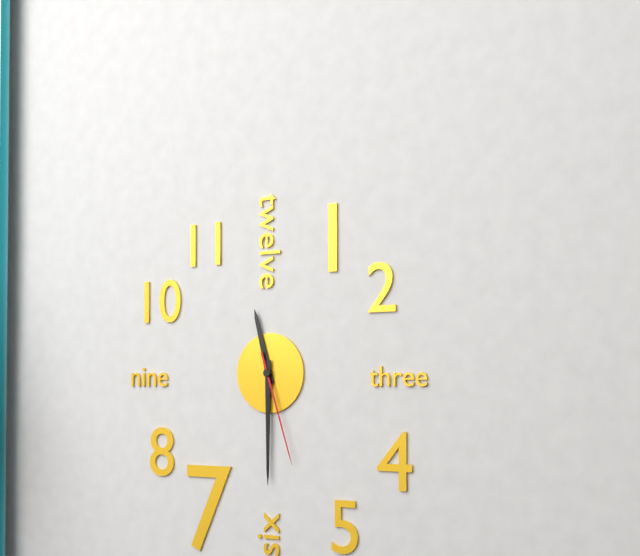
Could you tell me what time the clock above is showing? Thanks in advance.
11:30:27
